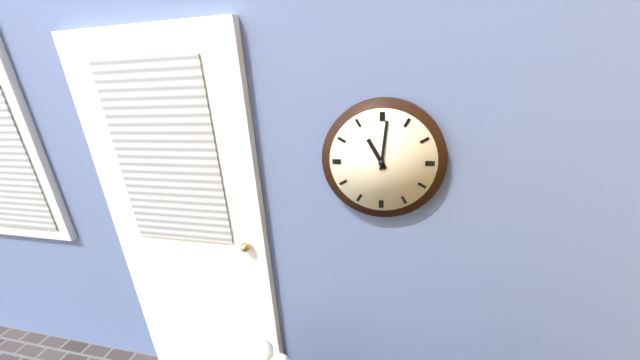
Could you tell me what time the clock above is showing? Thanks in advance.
11:01
